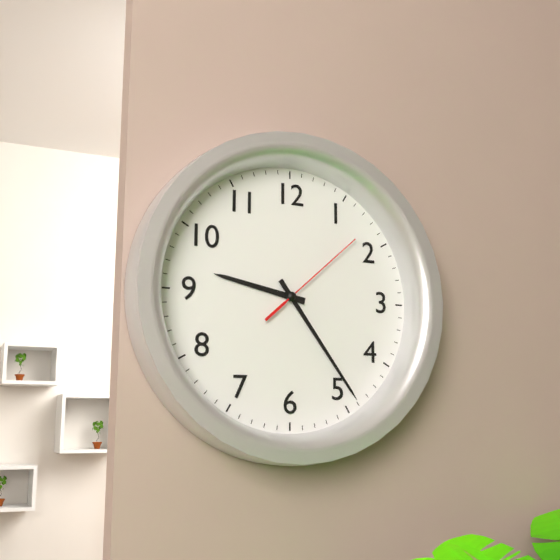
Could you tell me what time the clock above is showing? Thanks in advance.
9:24:08
